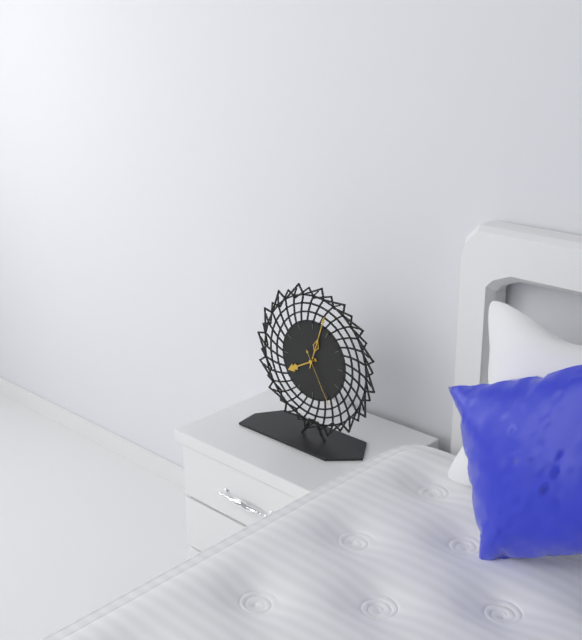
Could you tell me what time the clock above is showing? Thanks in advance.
8:03:25
